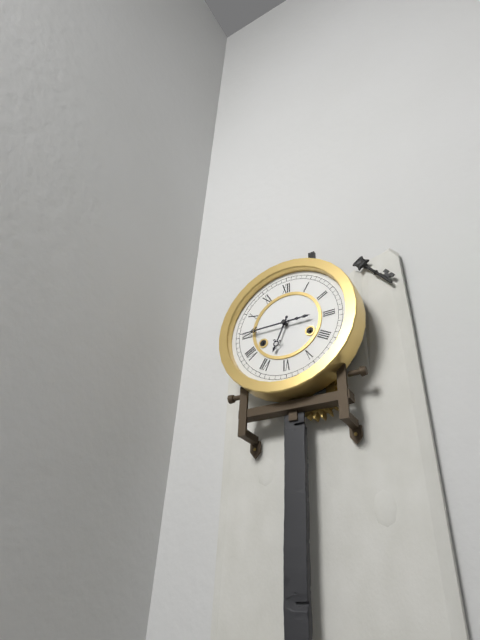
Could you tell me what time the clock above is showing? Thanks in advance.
6:45
